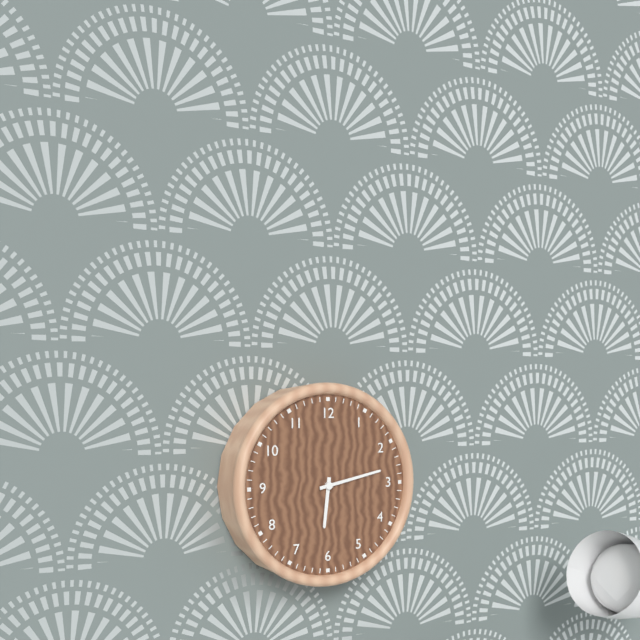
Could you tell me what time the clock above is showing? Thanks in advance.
6:13
